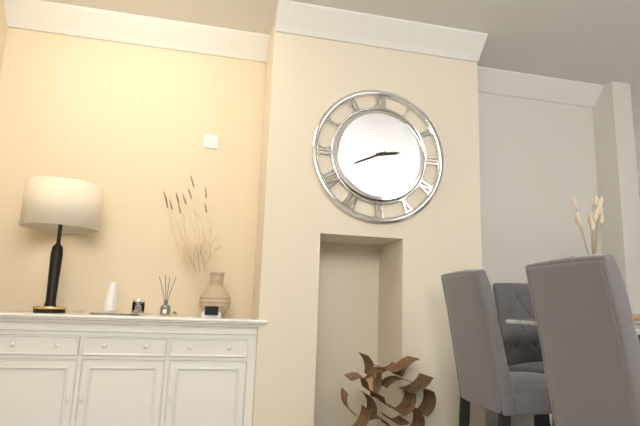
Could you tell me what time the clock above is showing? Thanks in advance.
2:41
